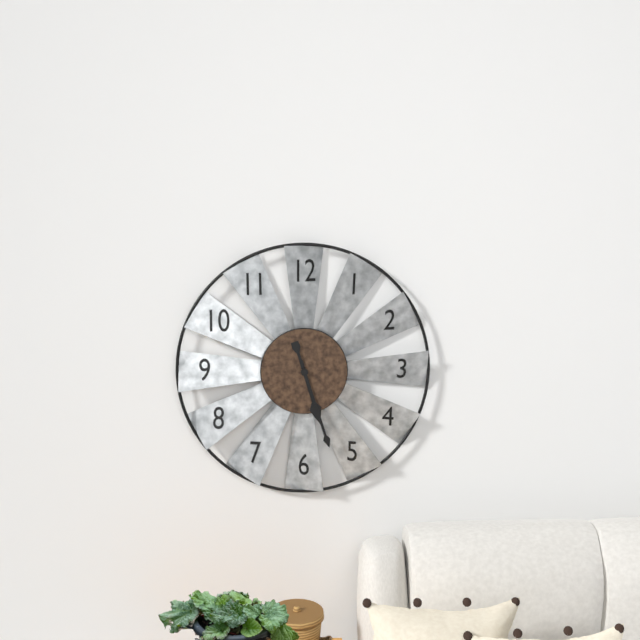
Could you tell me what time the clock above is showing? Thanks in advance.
5:27
